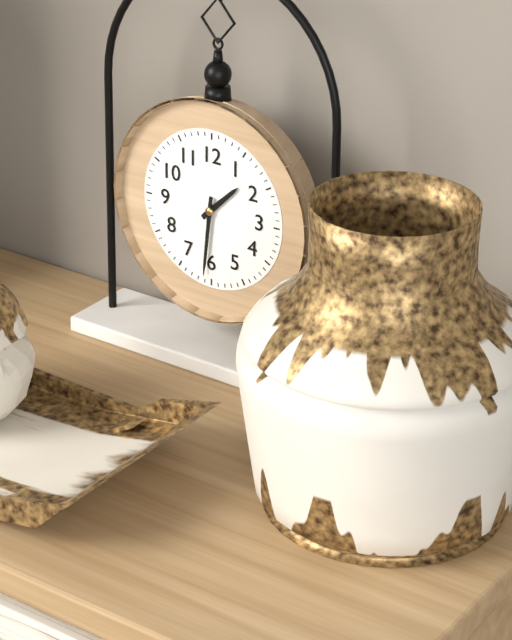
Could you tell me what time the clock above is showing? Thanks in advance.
1:31
